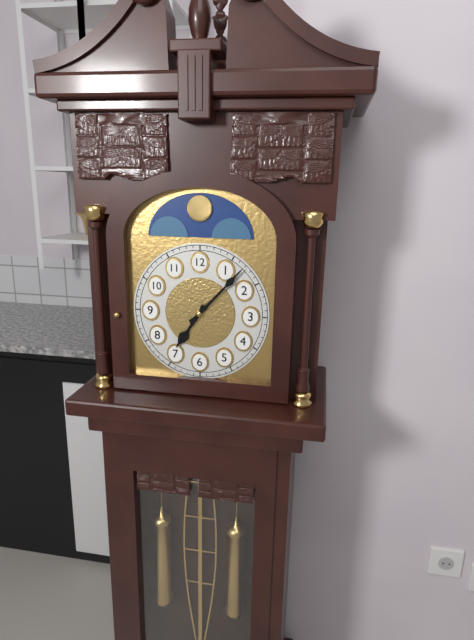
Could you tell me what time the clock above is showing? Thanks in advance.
7:07
